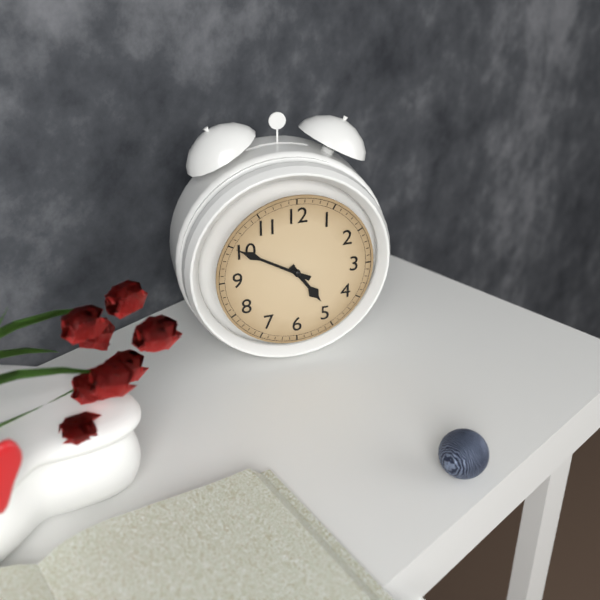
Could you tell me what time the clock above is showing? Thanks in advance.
4:50
